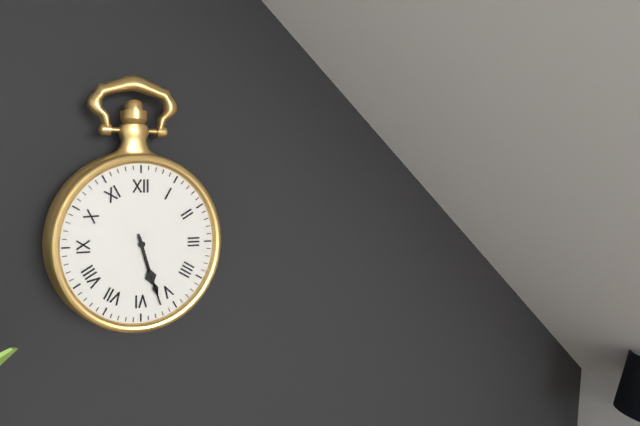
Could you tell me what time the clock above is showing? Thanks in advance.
5:27
